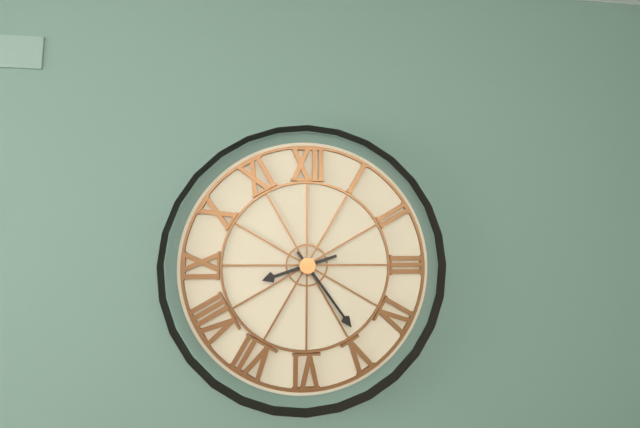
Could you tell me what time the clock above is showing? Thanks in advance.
8:24
